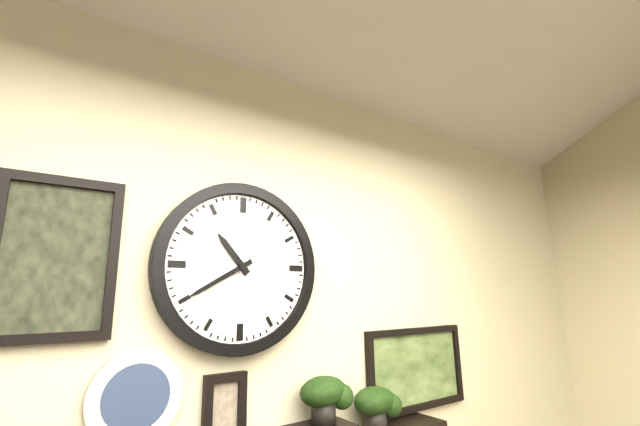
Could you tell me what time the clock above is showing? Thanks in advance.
10:40
